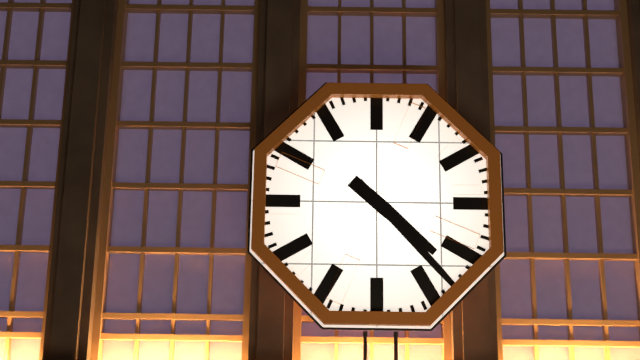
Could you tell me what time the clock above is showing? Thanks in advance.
4:23
